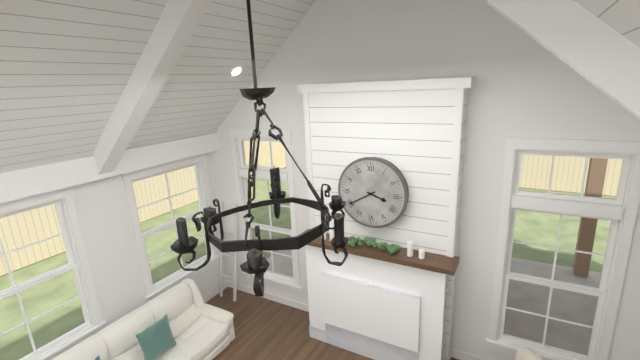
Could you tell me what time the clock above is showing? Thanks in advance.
3:40
